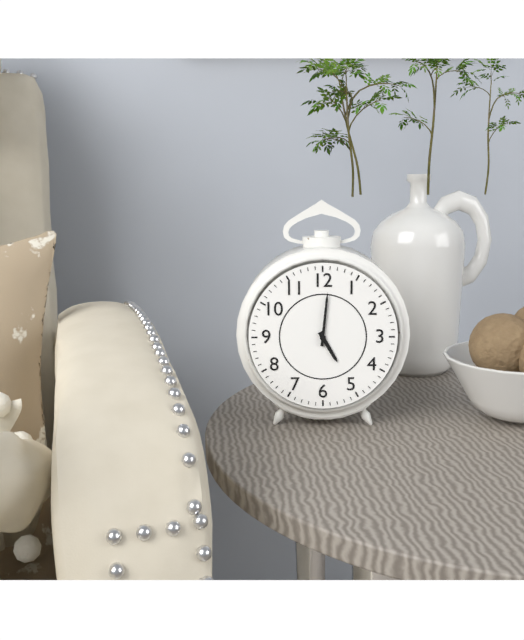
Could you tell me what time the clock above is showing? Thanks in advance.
5:01
